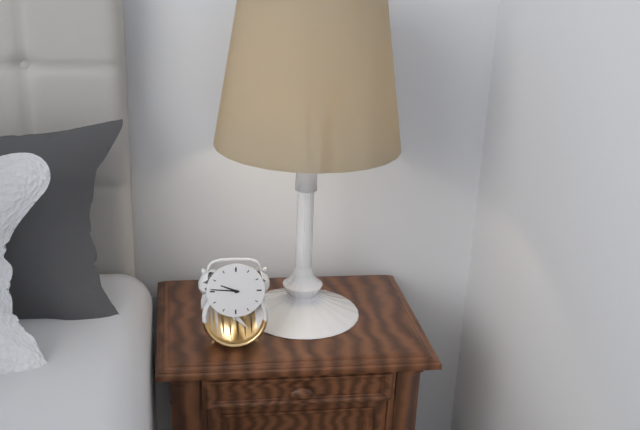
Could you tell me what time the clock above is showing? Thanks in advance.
9:46
